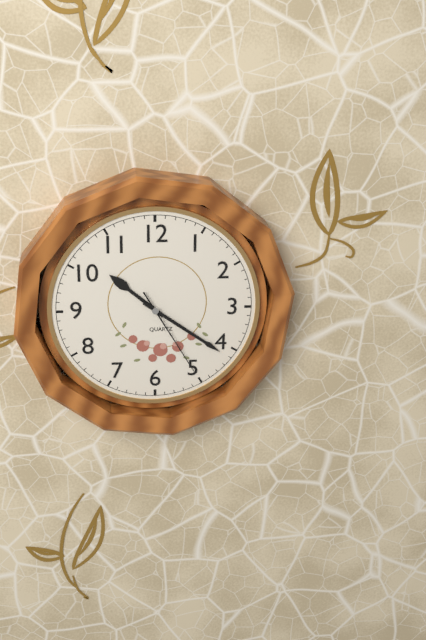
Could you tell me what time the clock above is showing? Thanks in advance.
10:21:25
